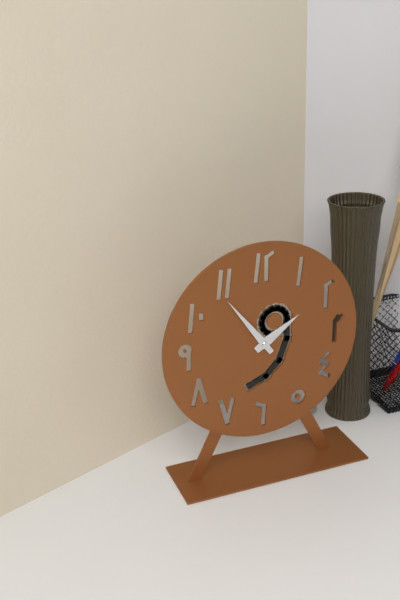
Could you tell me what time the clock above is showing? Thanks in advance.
1:54
